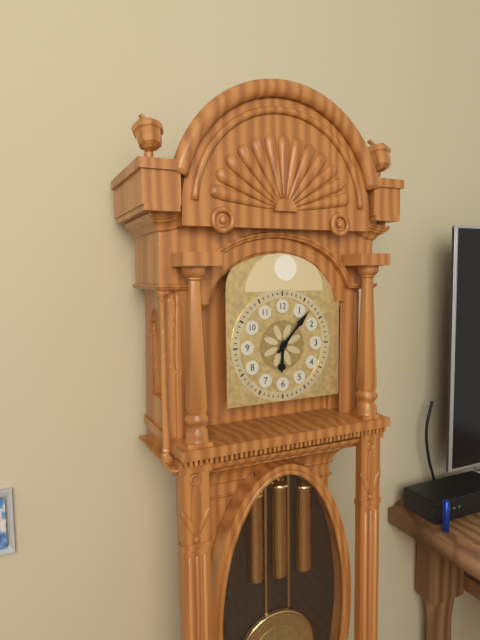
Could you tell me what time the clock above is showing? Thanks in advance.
6:07
